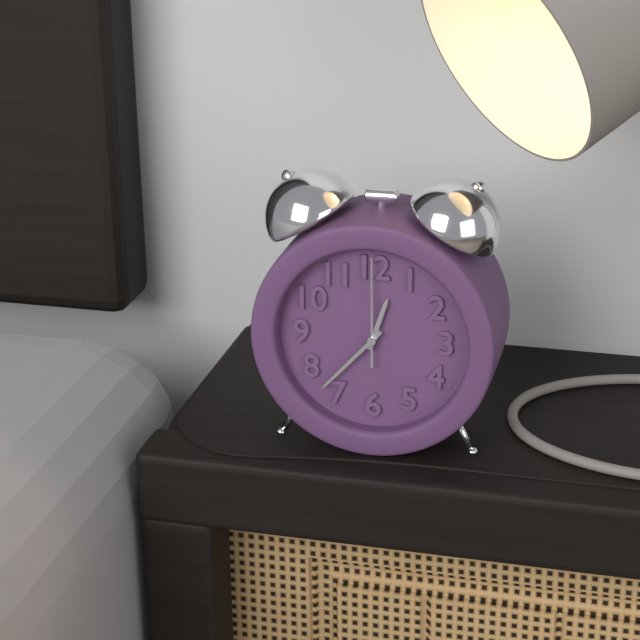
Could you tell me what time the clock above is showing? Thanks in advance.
12:37:00
